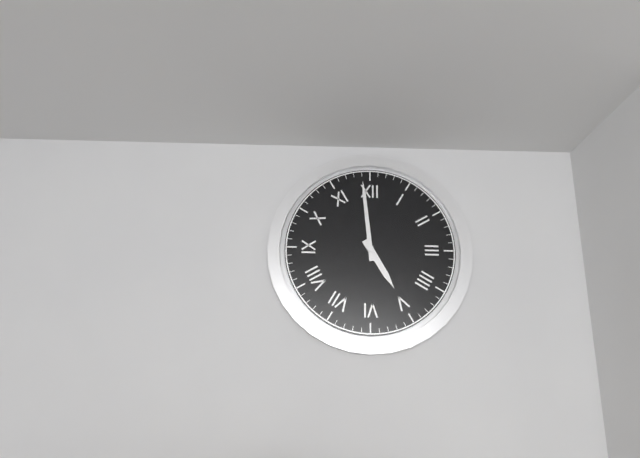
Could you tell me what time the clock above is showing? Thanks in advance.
4:59
